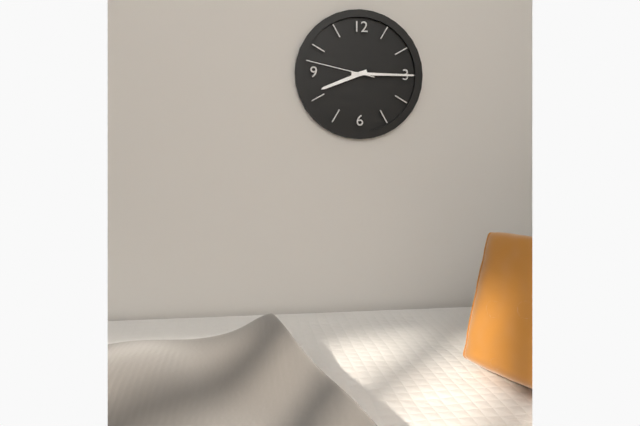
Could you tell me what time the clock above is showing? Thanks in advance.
8:15:47
